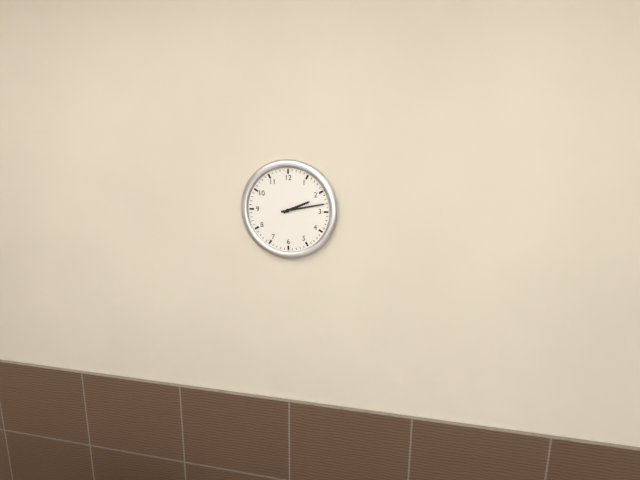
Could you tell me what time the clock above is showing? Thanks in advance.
2:13
